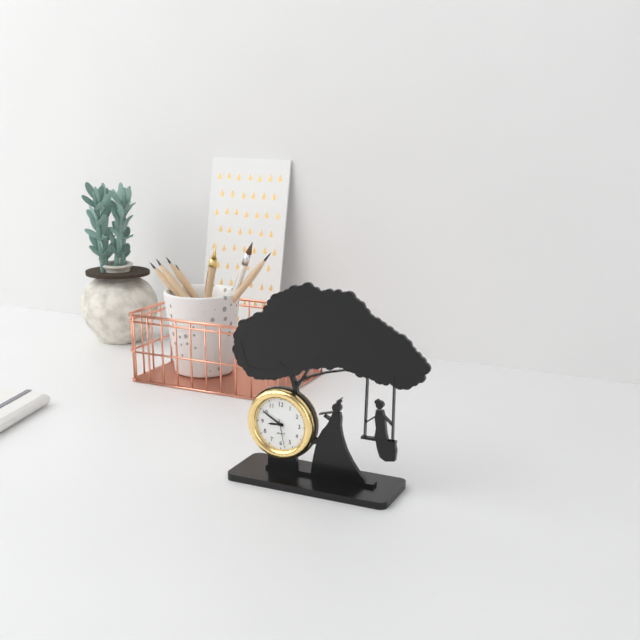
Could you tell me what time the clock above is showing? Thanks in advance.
8:50
